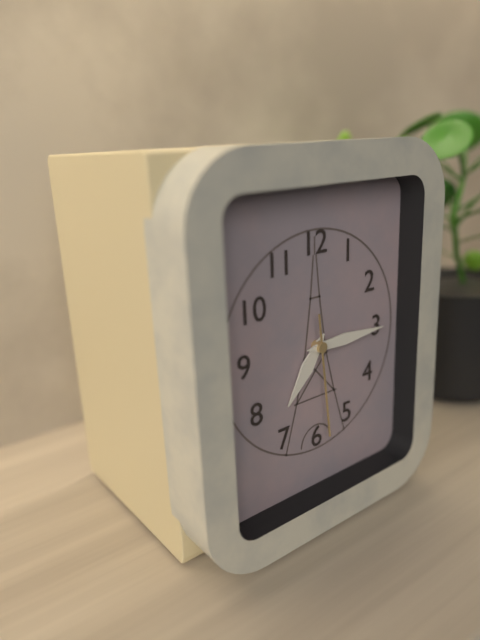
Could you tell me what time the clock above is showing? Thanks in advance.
7:15:29
